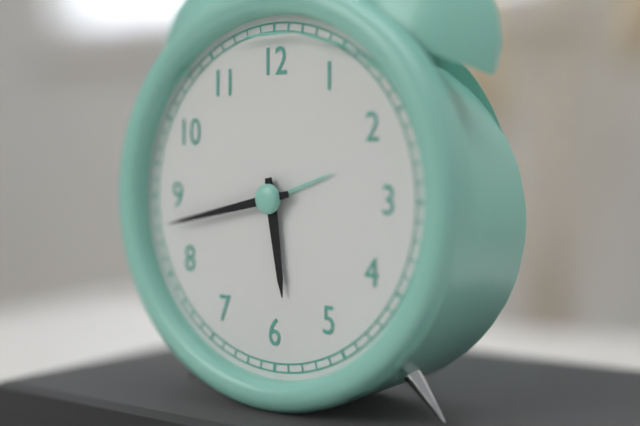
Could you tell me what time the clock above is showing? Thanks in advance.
5:43
